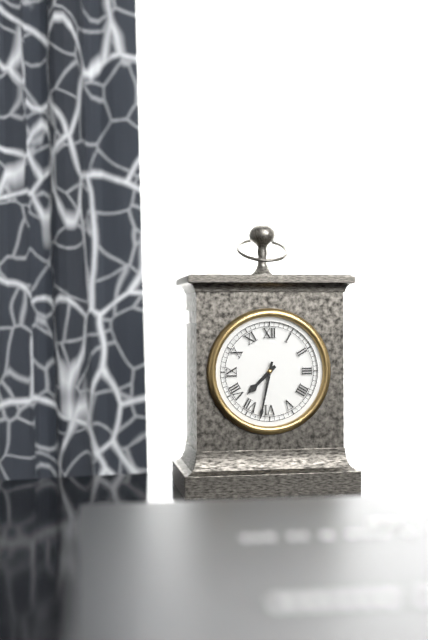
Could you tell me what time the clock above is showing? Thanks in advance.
7:32
